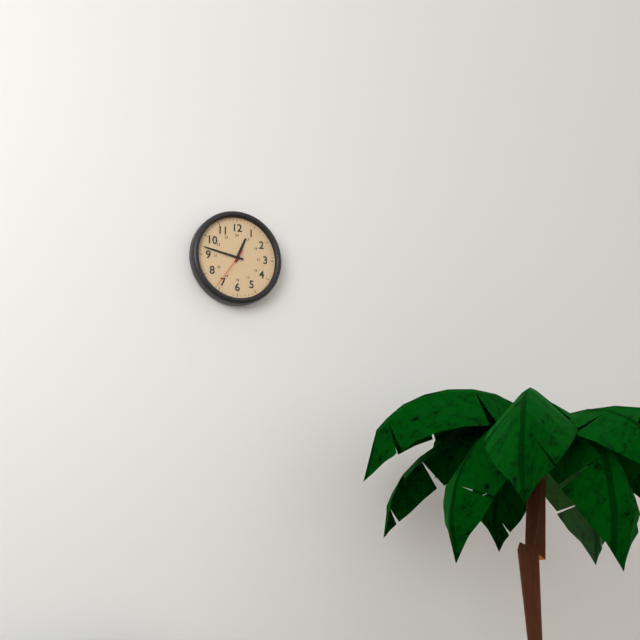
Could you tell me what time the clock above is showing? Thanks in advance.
12:47
